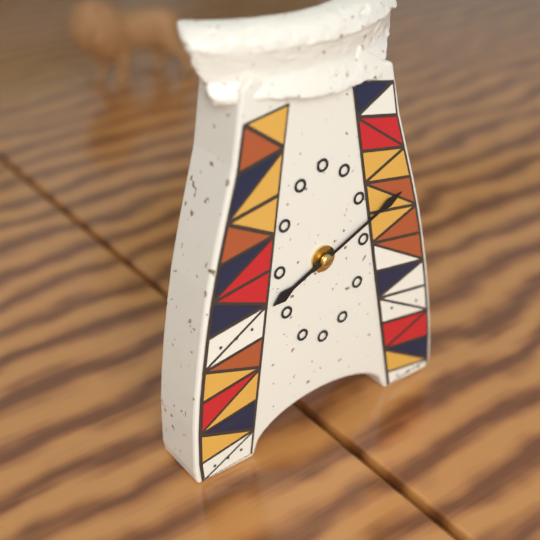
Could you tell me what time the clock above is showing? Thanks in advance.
8:11
